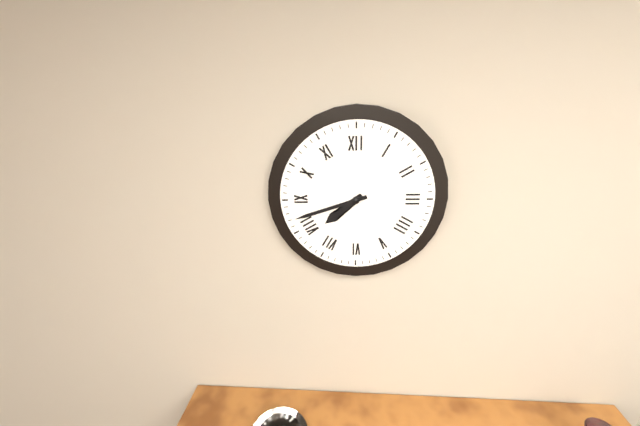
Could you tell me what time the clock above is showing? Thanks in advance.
7:42
